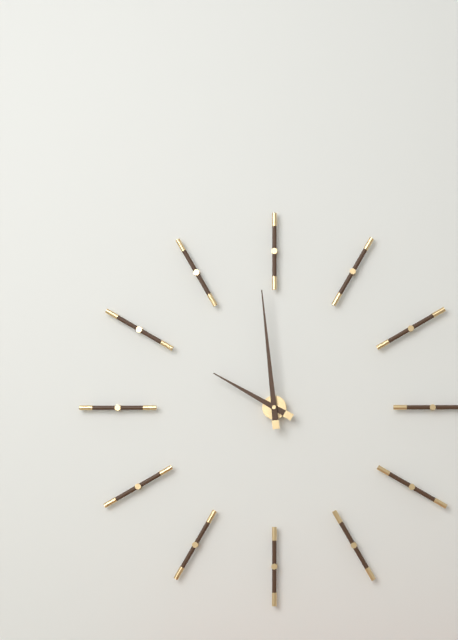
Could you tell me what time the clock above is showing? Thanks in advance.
9:59
